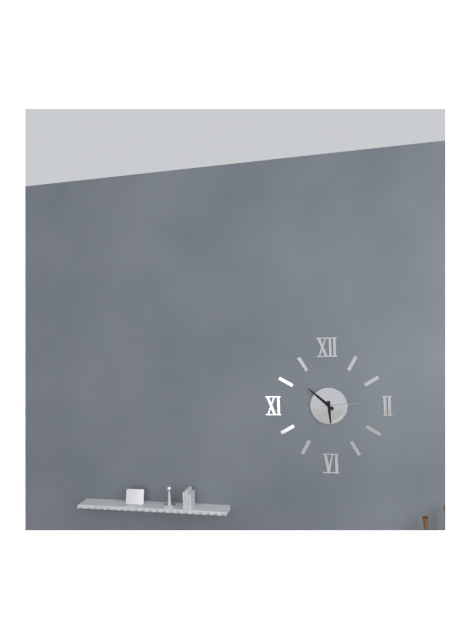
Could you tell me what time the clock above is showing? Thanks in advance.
5:52
